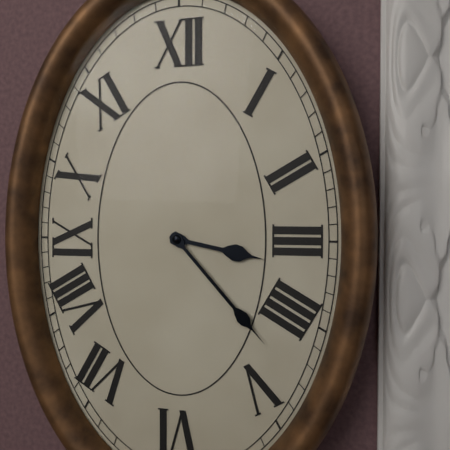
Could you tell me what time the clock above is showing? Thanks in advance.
3:23
